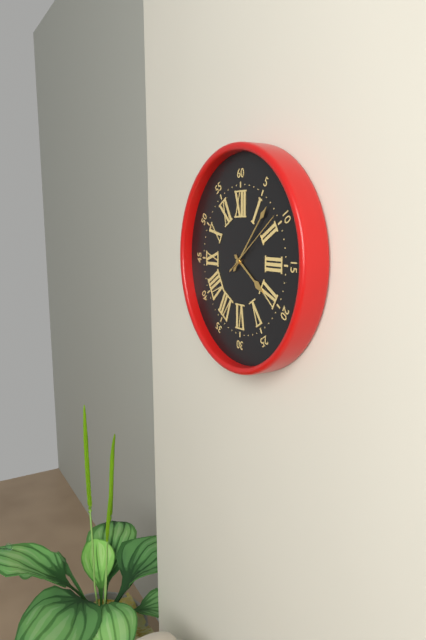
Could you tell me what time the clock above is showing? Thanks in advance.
4:07:09
